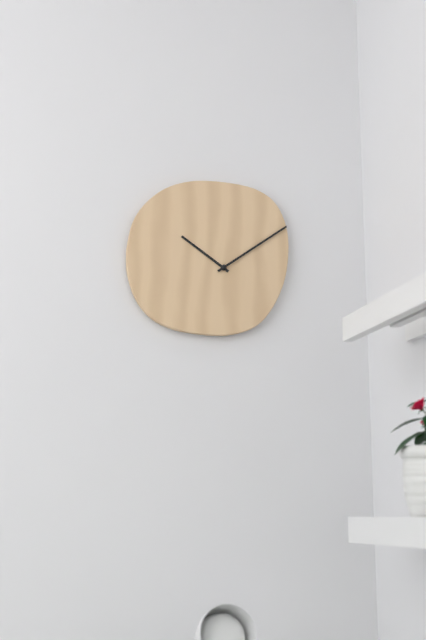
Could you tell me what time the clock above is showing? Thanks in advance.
10:09
